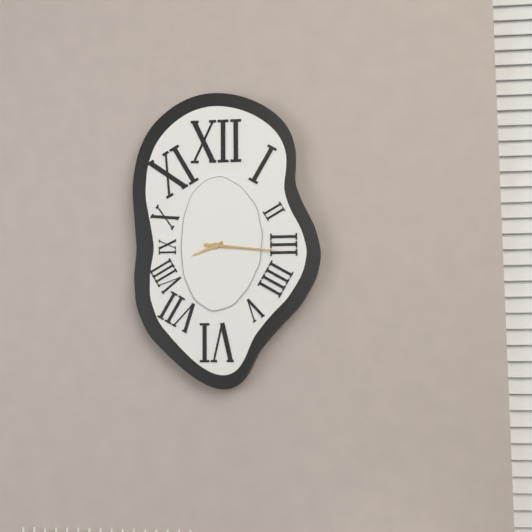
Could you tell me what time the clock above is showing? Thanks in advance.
8:16
